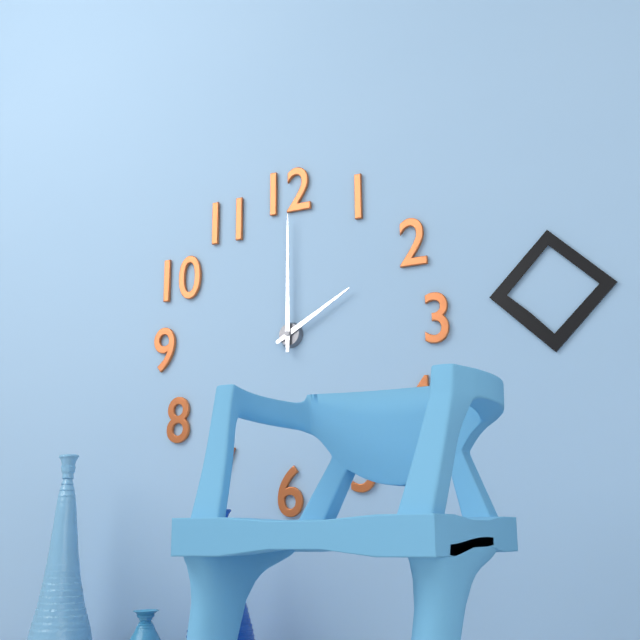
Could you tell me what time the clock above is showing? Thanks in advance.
2:00
